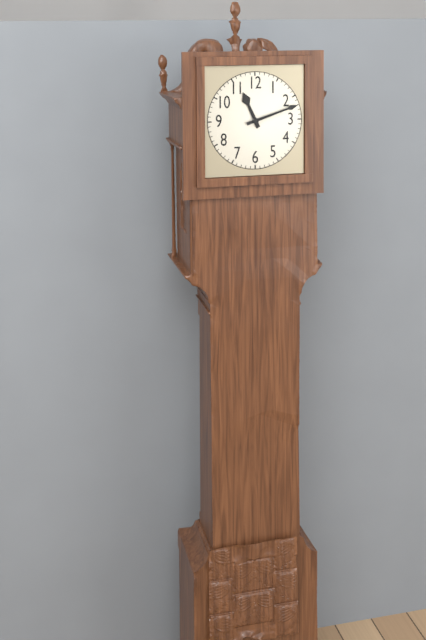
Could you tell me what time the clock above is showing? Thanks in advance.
11:12
